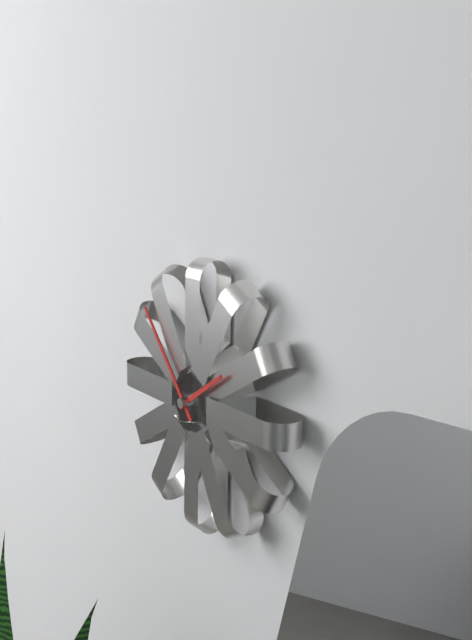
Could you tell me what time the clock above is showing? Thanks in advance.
1:53
